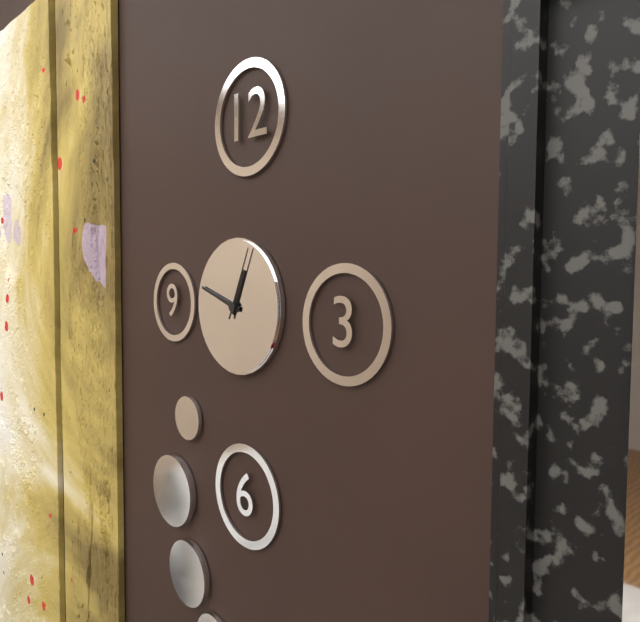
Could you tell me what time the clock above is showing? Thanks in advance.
12:48:04
